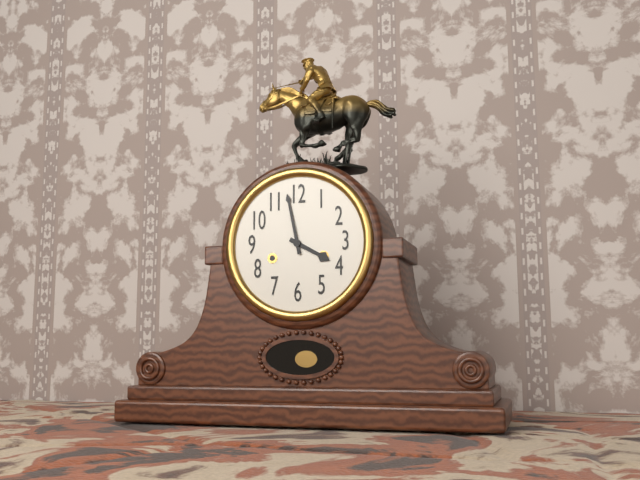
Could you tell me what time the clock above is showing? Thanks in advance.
3:58
